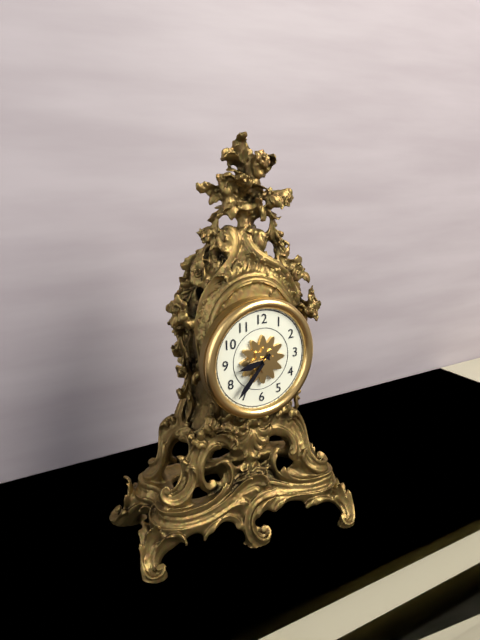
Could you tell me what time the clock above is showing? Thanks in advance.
8:37
